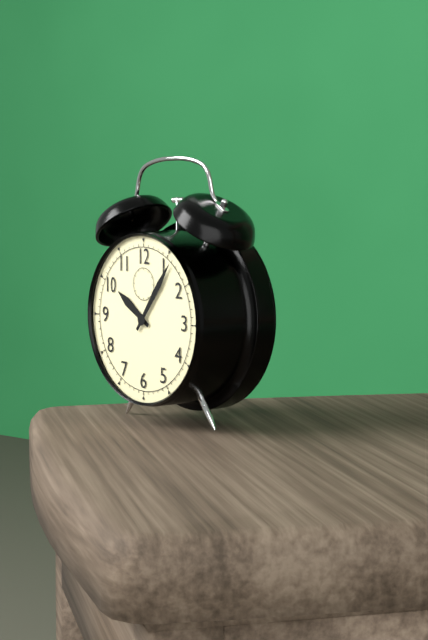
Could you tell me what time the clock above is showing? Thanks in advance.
10:06
